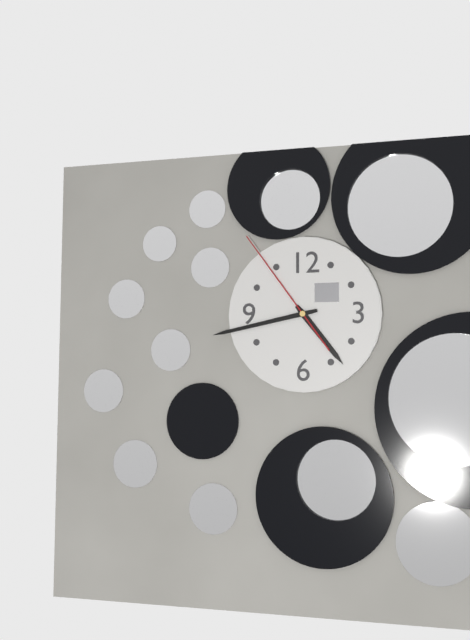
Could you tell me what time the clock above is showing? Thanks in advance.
4:43:54
